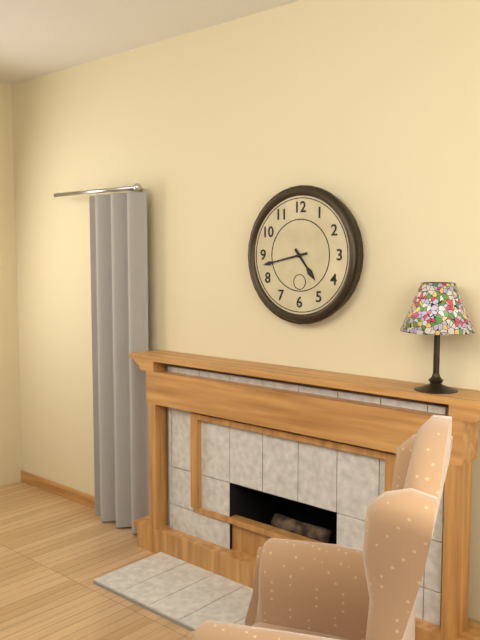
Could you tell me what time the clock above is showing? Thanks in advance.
4:43
